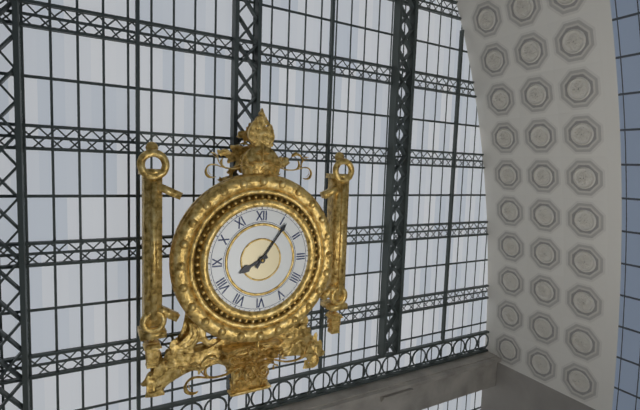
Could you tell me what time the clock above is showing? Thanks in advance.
8:06
